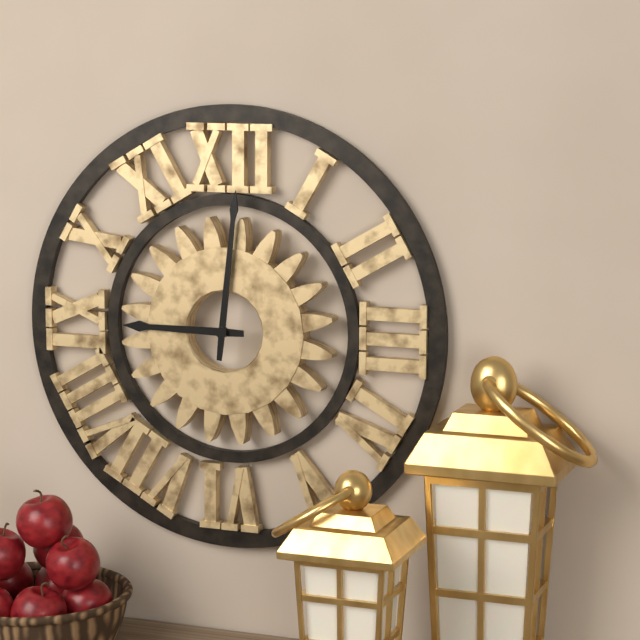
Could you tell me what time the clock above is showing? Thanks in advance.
9:01
